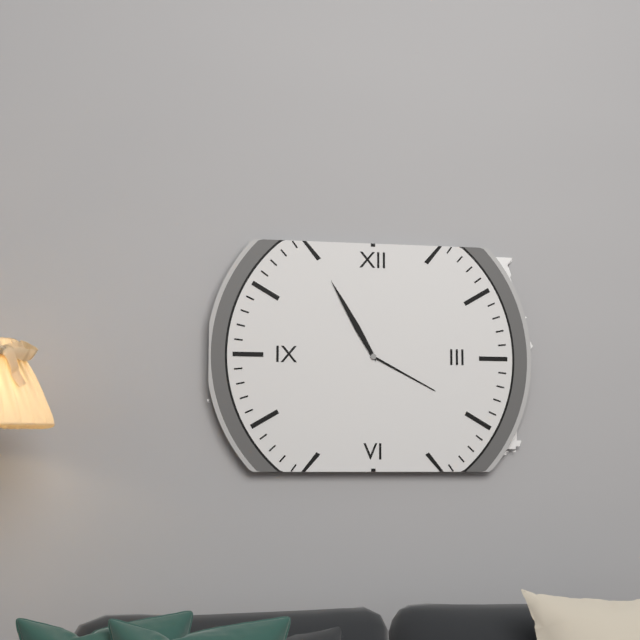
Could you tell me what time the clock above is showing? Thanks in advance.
3:55
